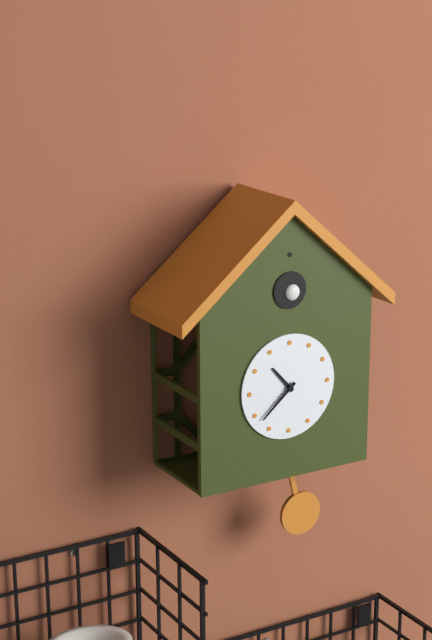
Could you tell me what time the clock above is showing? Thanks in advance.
10:38
